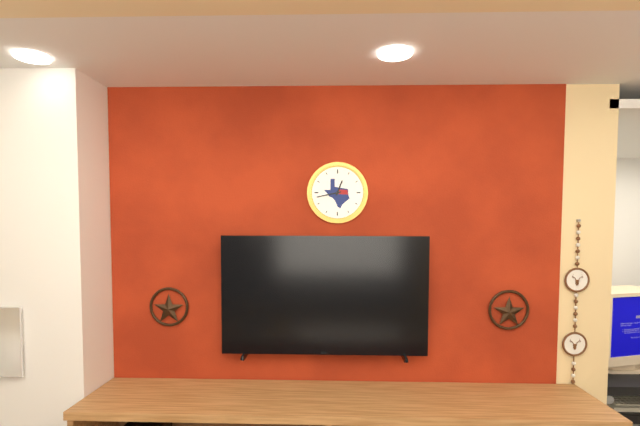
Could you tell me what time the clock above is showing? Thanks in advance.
12:43
